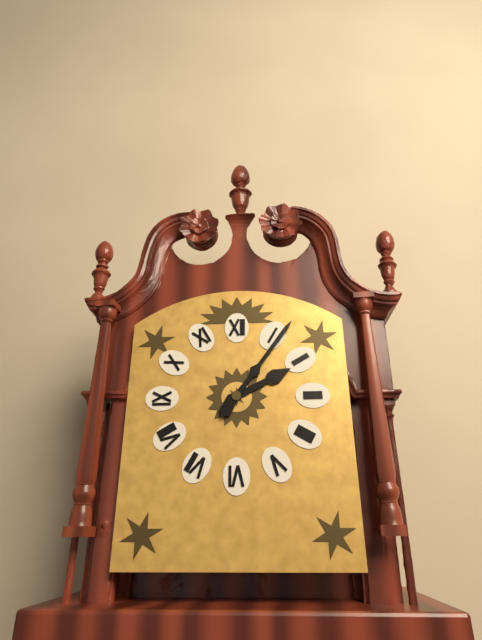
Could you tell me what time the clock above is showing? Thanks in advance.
2:06
